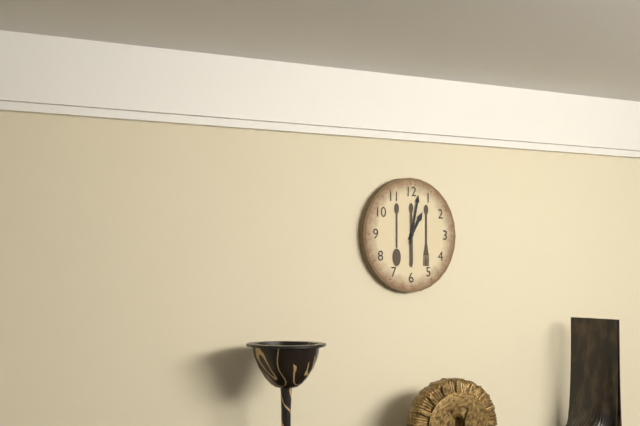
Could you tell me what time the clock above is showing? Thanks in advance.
1:02
